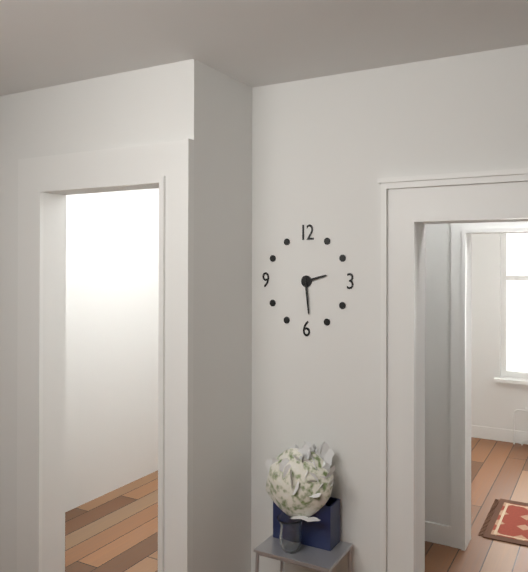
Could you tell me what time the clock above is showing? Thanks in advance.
2:29
